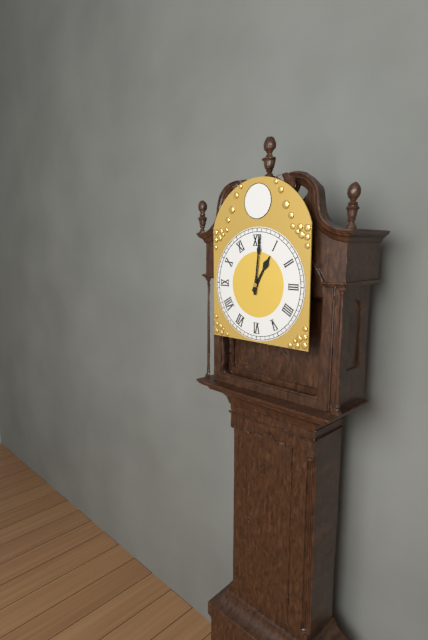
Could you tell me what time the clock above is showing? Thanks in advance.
1:01
